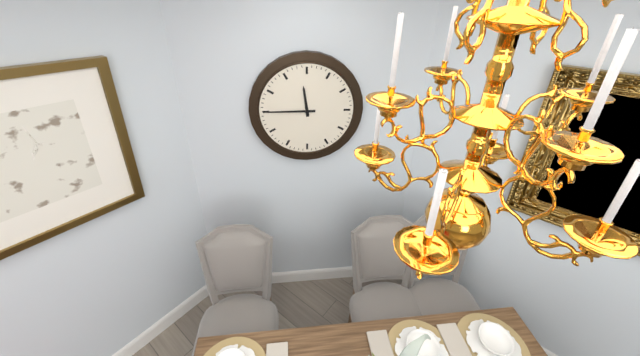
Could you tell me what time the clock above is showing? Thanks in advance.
11:45
